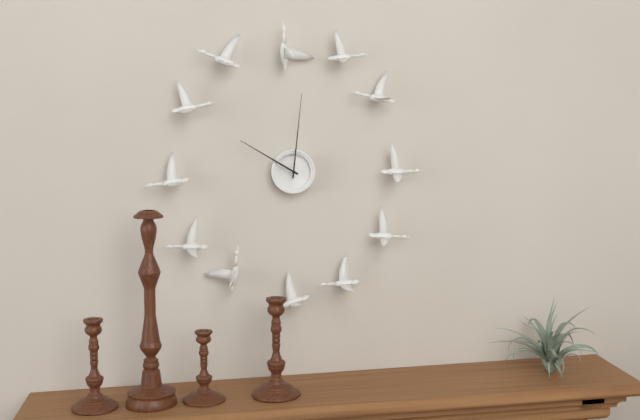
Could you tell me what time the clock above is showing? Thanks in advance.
10:01
